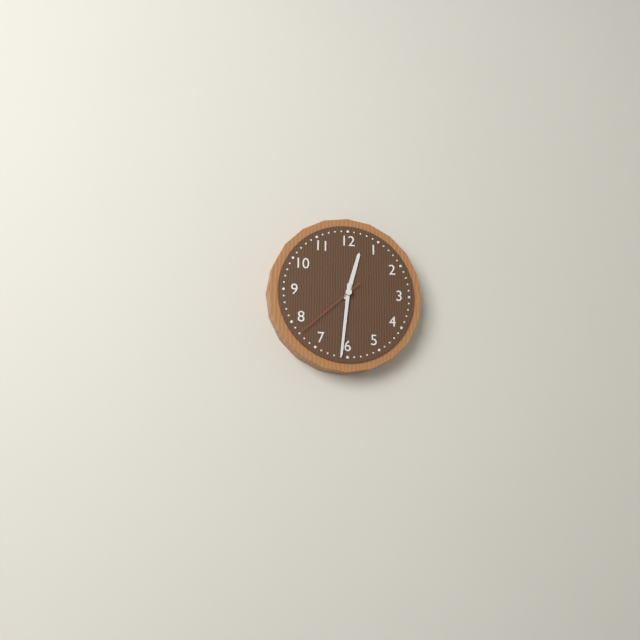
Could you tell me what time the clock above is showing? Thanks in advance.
12:31:38
